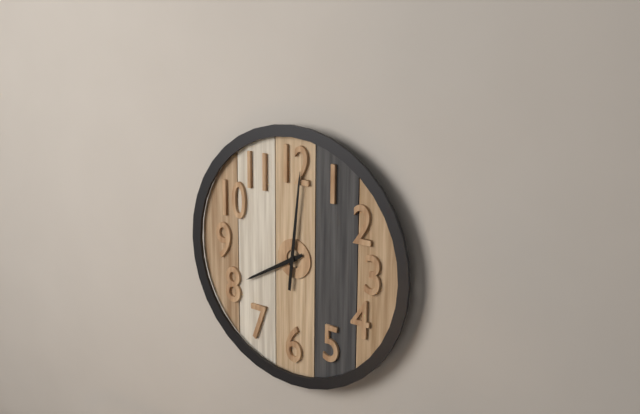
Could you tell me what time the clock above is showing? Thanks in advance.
8:01
